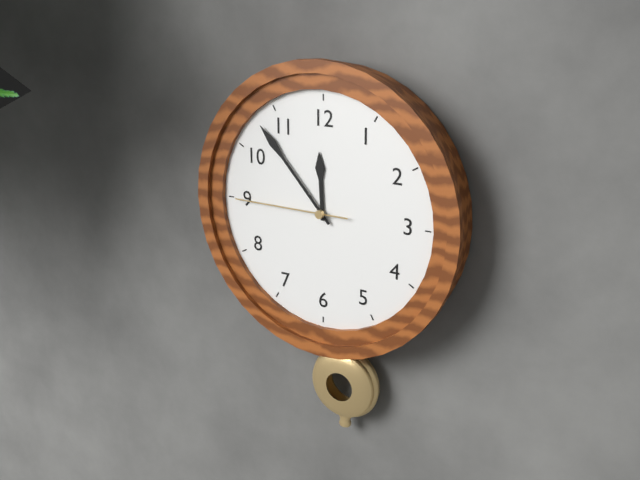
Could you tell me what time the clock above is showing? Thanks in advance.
11:53:45
